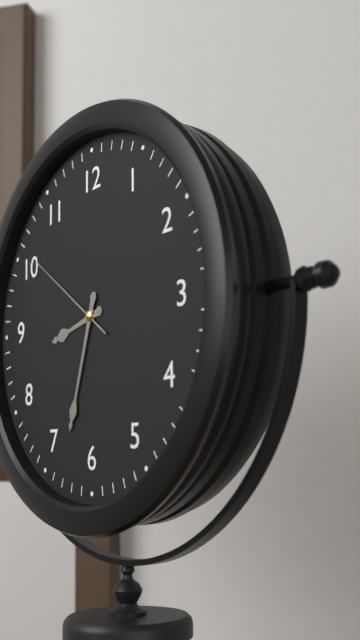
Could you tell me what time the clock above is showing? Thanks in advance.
8:33:51
